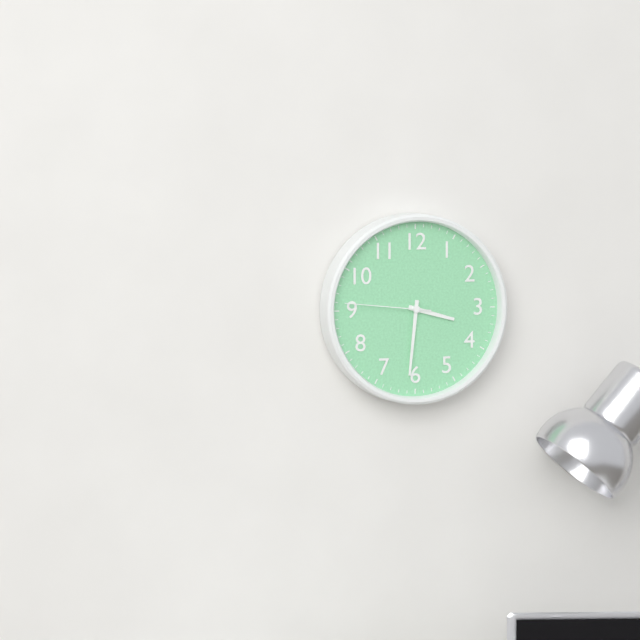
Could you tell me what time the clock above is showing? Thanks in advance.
3:31:46
